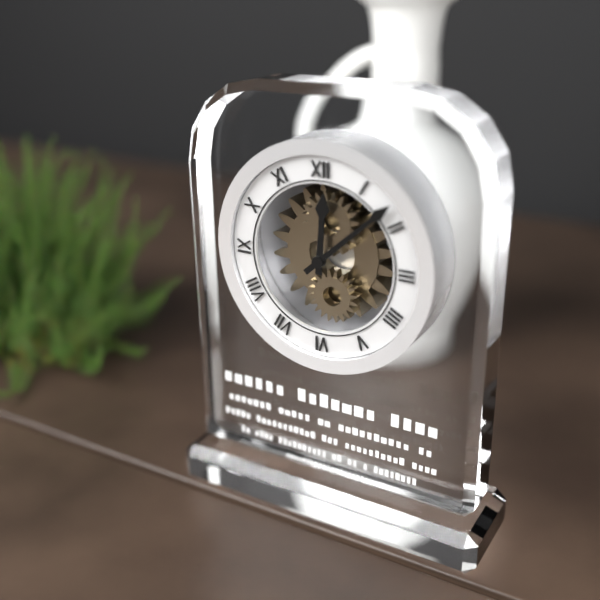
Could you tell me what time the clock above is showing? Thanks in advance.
12:08
